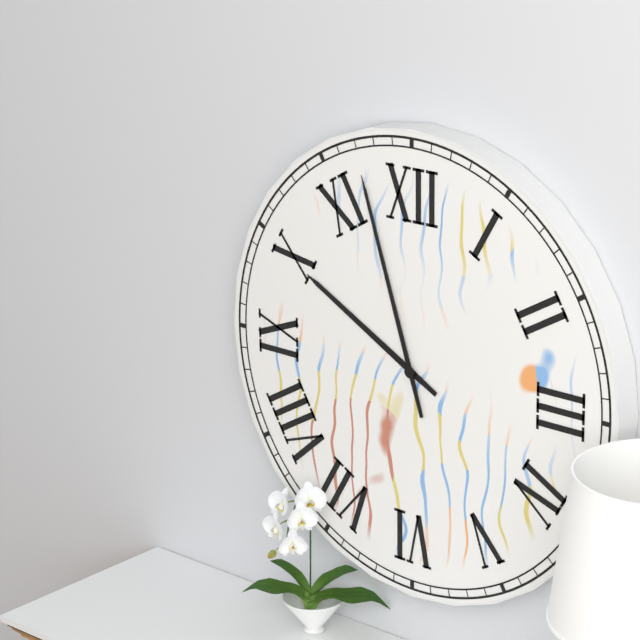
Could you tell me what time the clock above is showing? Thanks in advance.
9:57
